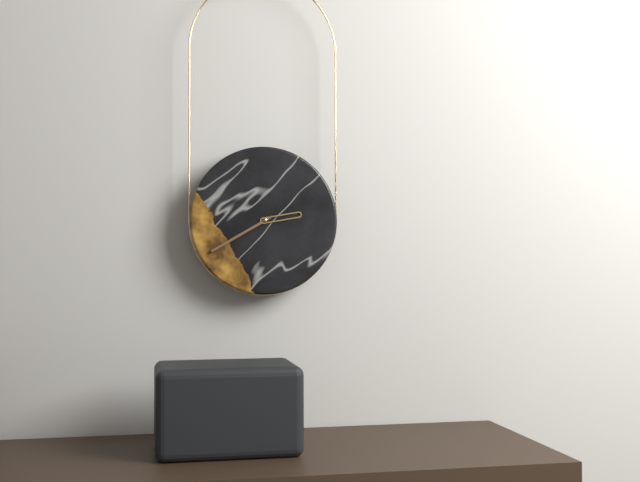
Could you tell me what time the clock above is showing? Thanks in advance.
2:40
